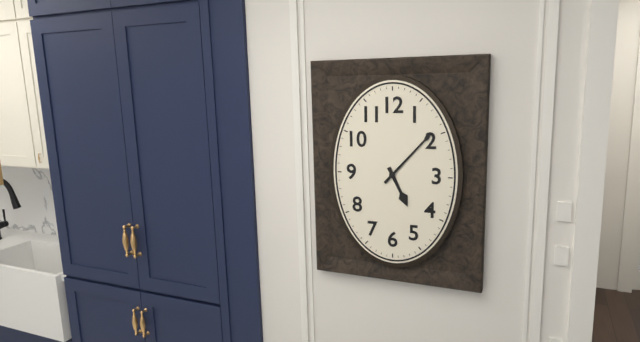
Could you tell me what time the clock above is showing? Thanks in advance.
5:07
